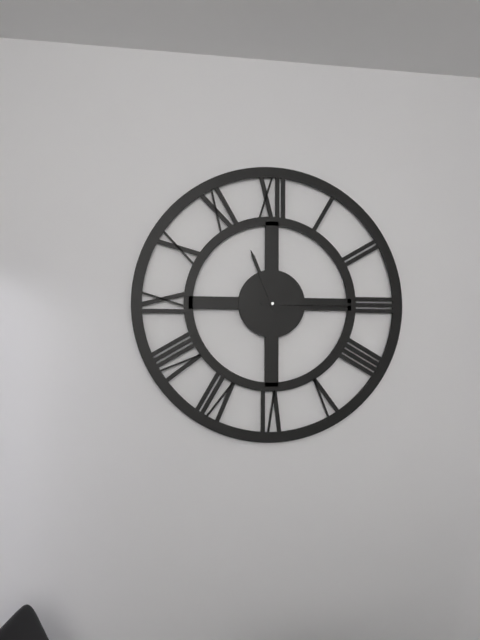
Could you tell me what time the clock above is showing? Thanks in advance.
11:15
